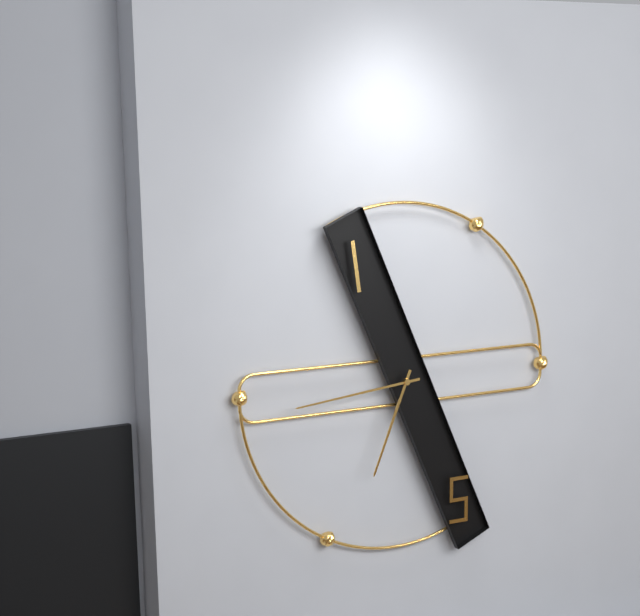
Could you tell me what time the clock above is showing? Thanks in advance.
6:44
